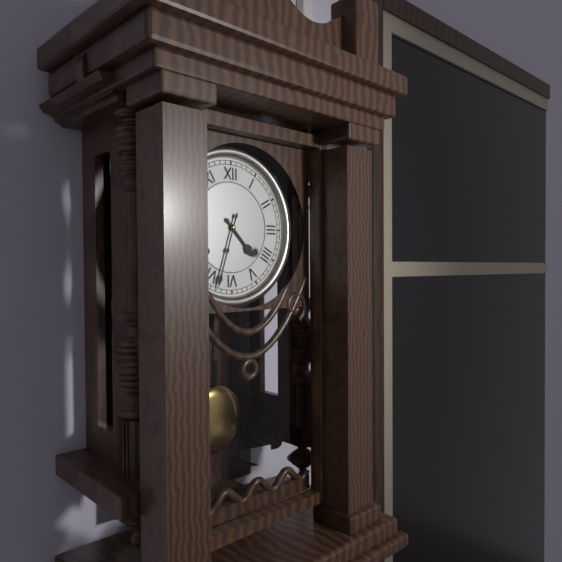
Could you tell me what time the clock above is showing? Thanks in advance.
4:33
